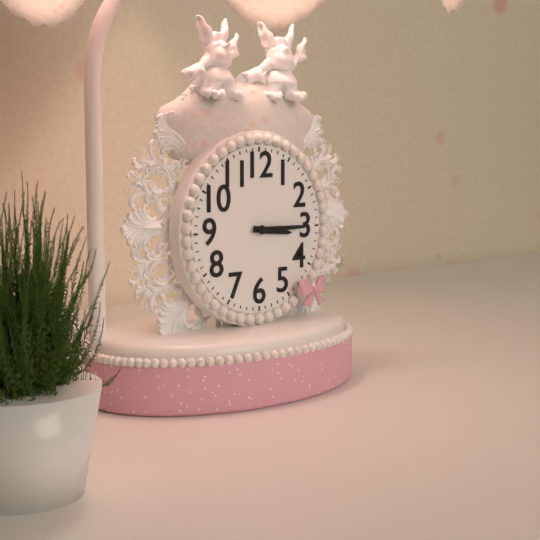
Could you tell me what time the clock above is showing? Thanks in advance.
3:15
